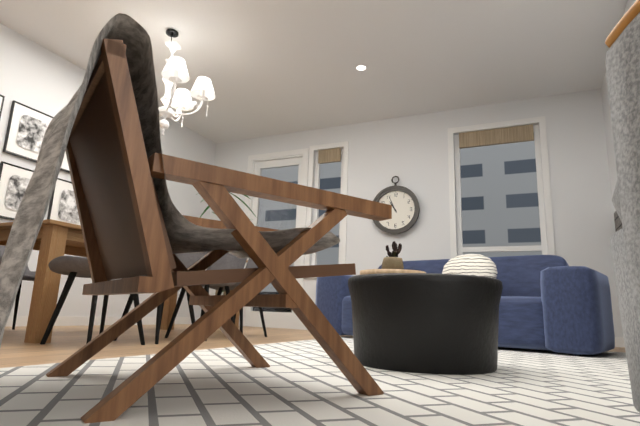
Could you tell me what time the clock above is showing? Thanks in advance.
10:56
